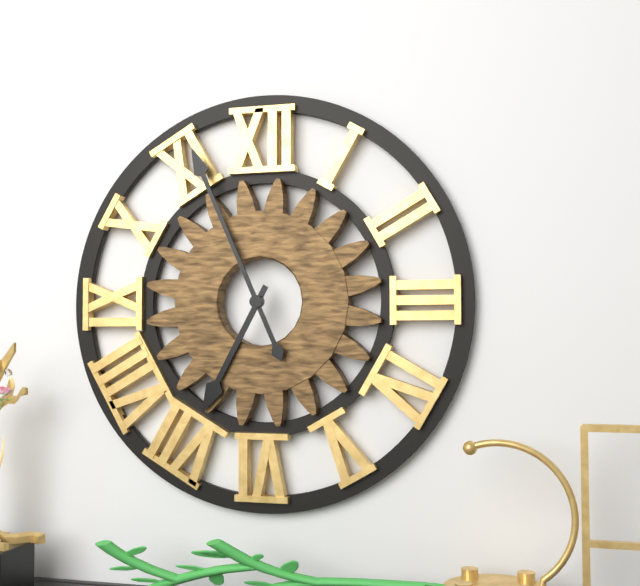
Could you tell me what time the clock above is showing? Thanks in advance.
6:56
